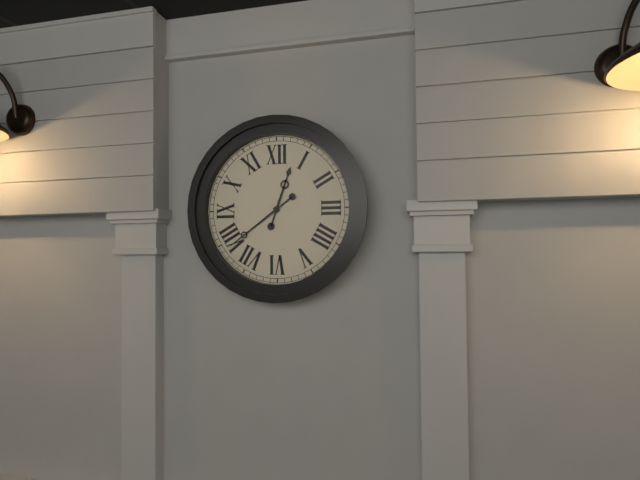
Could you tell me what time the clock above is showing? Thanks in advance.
12:39
